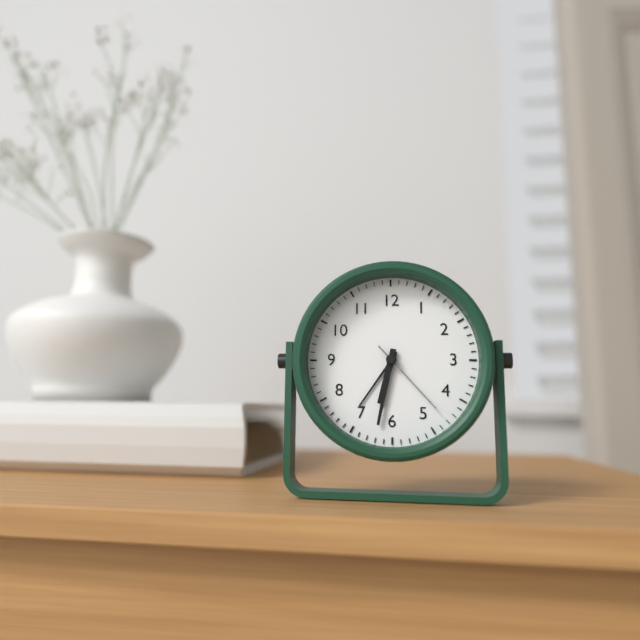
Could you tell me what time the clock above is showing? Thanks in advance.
6:32:23
